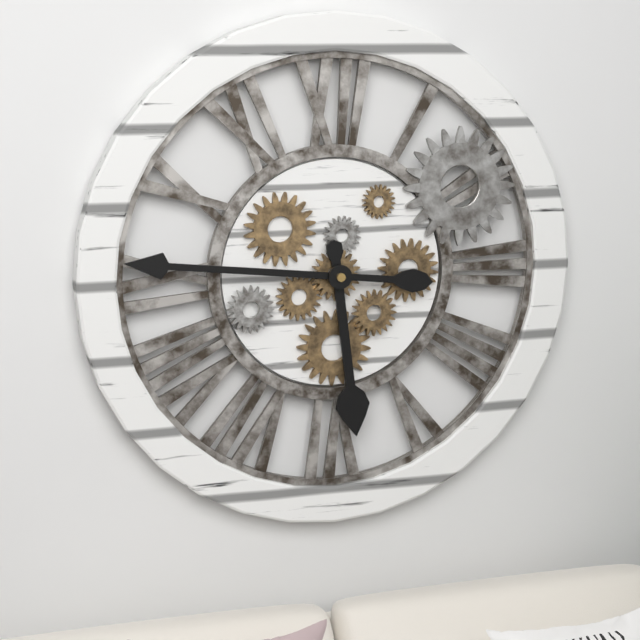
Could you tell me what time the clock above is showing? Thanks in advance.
5:46
